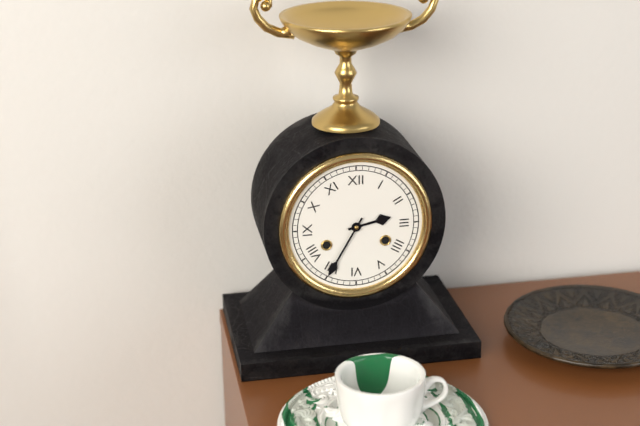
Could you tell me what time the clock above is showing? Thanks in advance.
2:35
